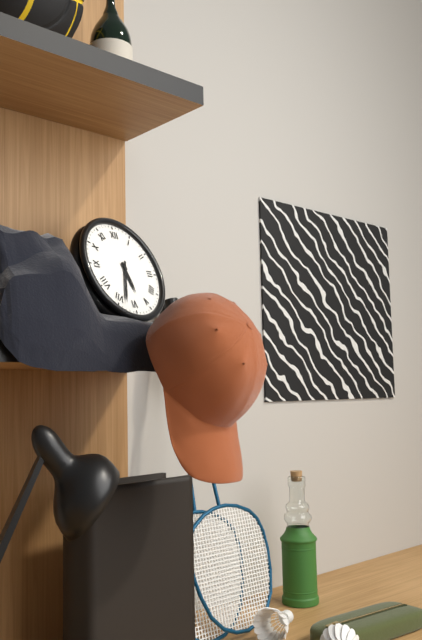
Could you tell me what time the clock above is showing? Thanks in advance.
5:33
